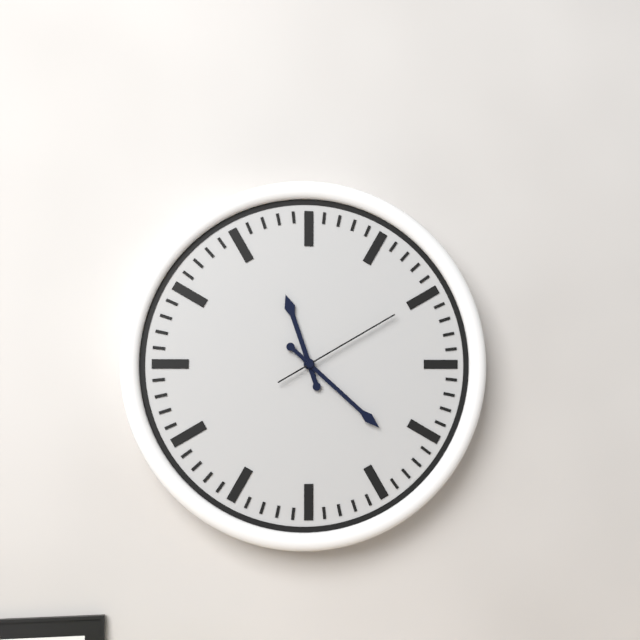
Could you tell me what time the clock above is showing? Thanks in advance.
11:22:10
